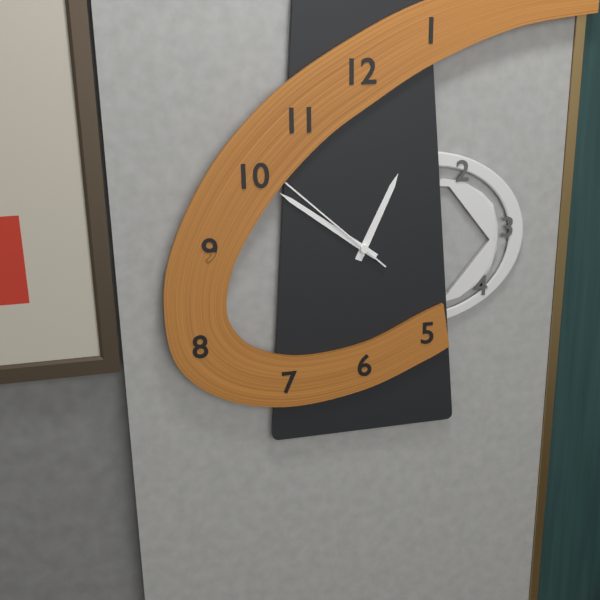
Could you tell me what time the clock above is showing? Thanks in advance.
12:51:52
